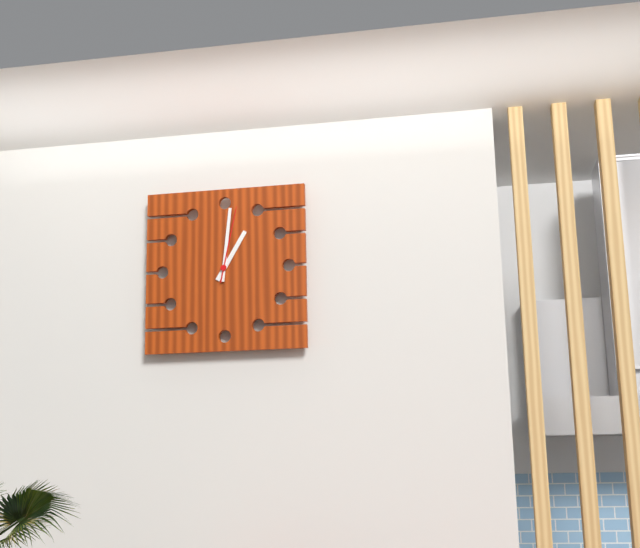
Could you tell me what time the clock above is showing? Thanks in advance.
1:01:02
